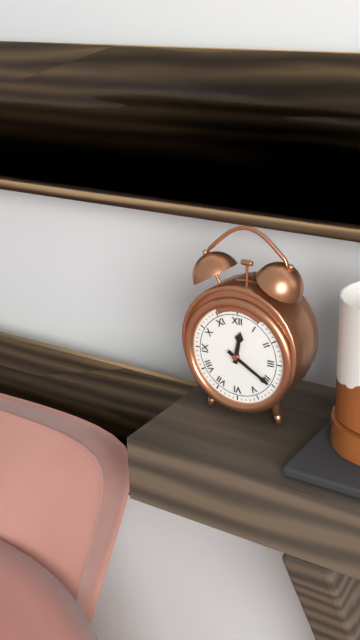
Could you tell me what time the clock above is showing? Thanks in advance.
12:20
